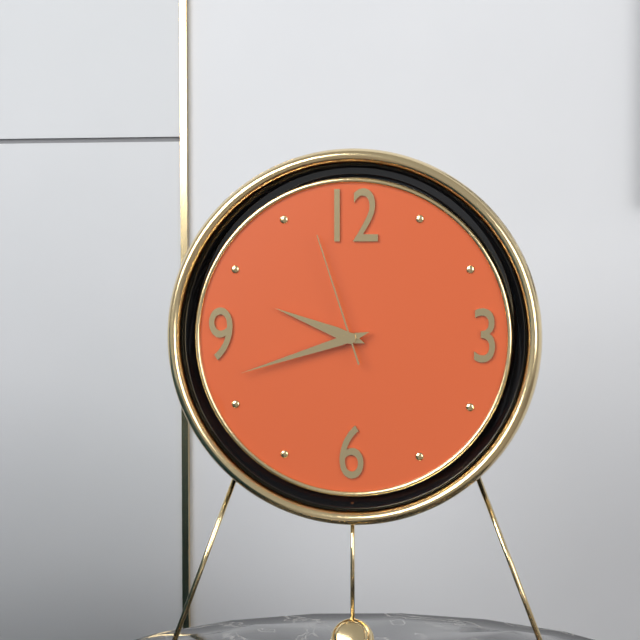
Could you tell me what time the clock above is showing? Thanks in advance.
9:42:57
